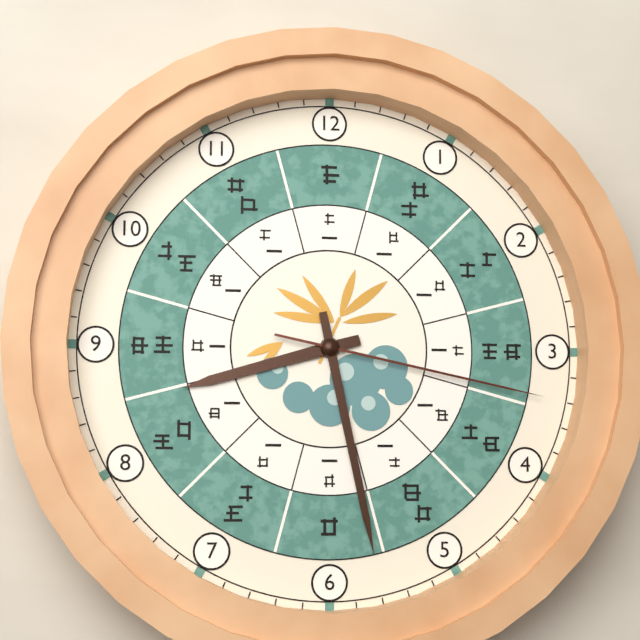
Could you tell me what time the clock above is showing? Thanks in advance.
8:28:17
